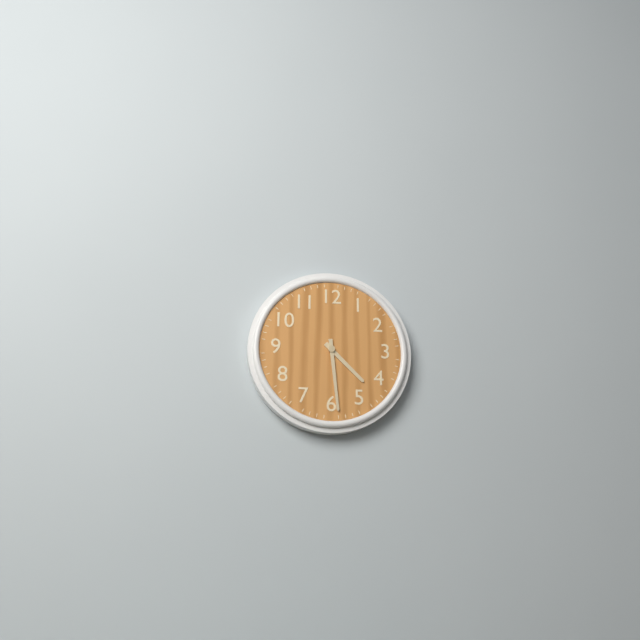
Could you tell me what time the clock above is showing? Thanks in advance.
4:29
